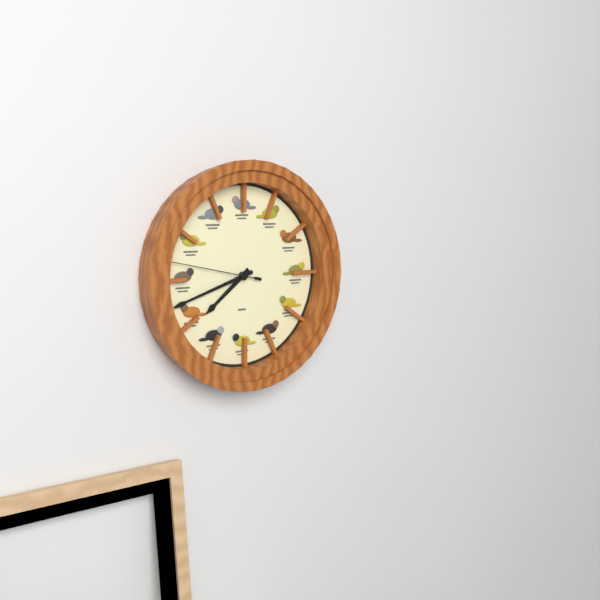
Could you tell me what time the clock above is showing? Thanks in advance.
7:42:47
